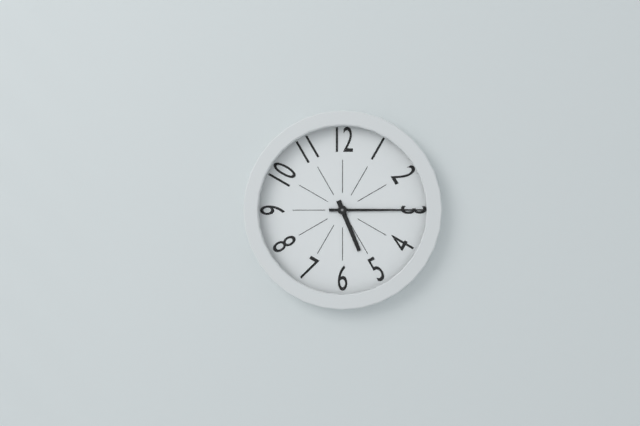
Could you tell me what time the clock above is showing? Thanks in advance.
5:15
